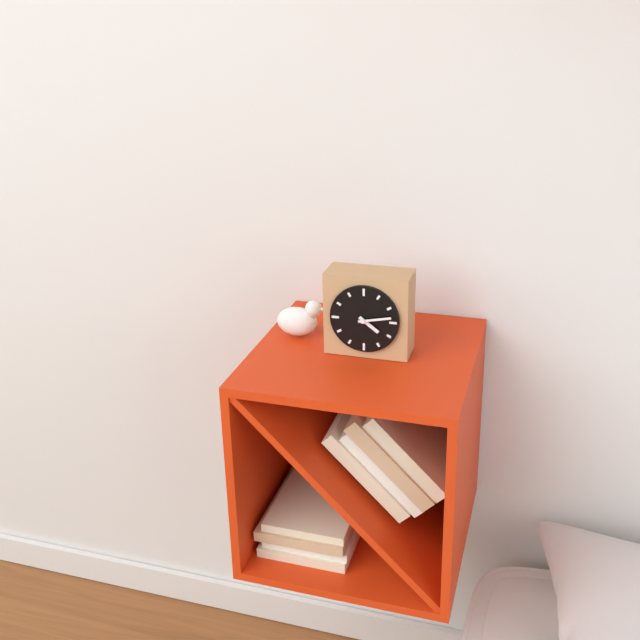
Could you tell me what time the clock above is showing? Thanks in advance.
4:13
